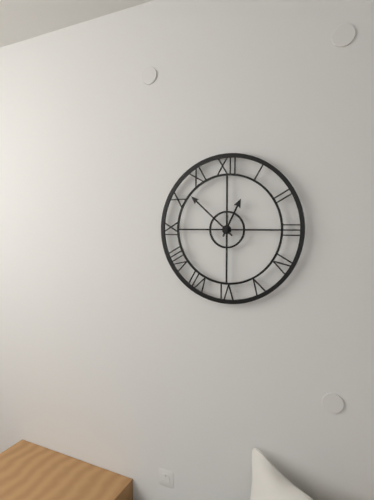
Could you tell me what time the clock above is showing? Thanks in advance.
12:52
